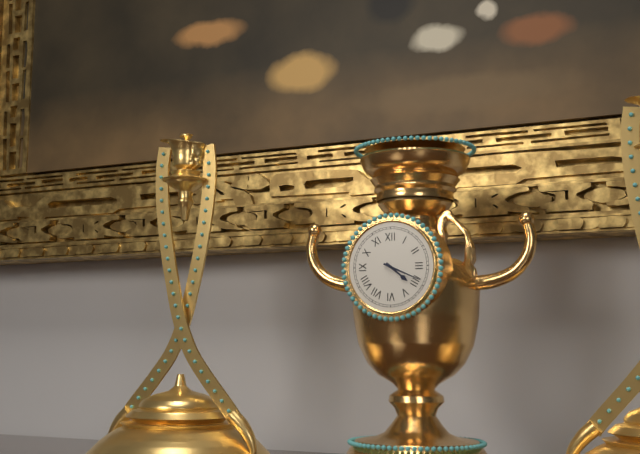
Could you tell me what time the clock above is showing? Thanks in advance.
4:19
